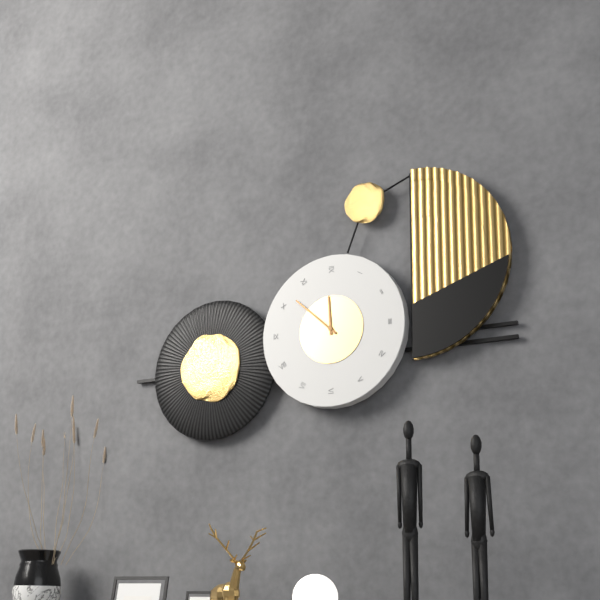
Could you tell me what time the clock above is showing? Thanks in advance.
11:52
